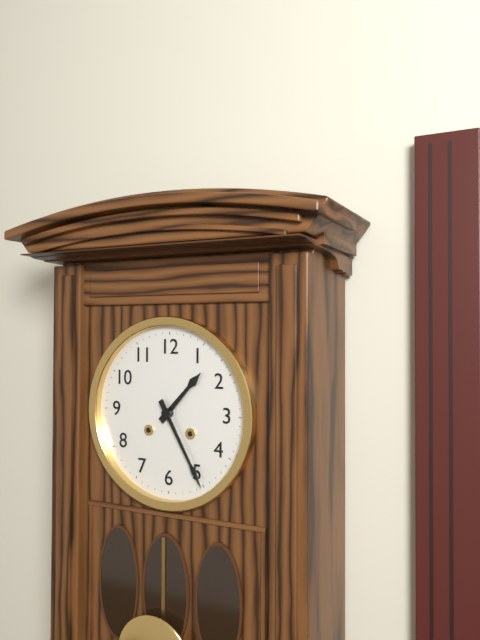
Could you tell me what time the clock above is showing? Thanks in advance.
1:25
